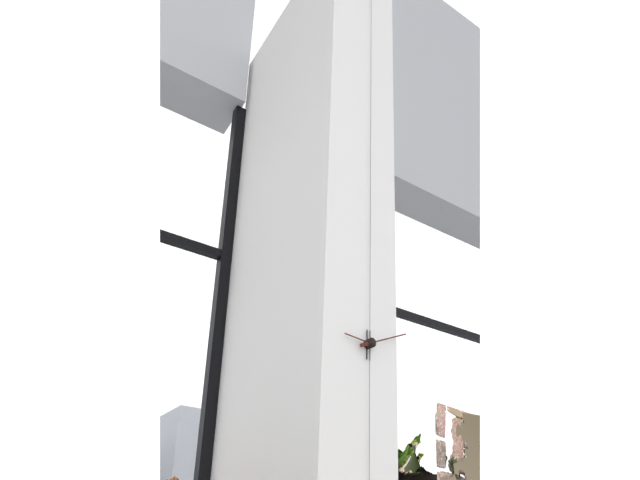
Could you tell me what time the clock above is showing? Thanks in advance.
9:11
